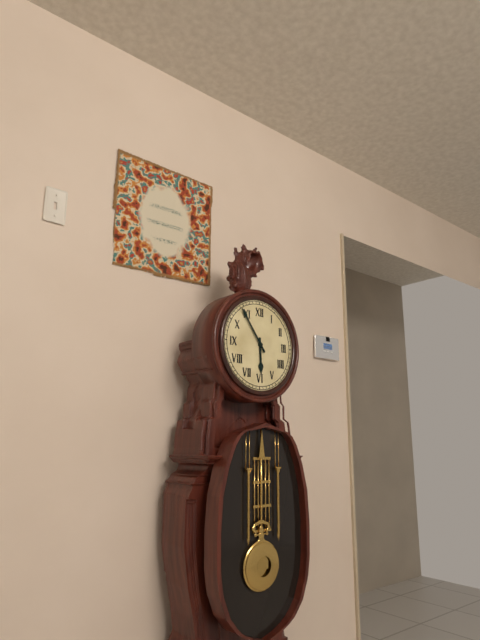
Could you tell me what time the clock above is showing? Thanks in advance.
5:54
